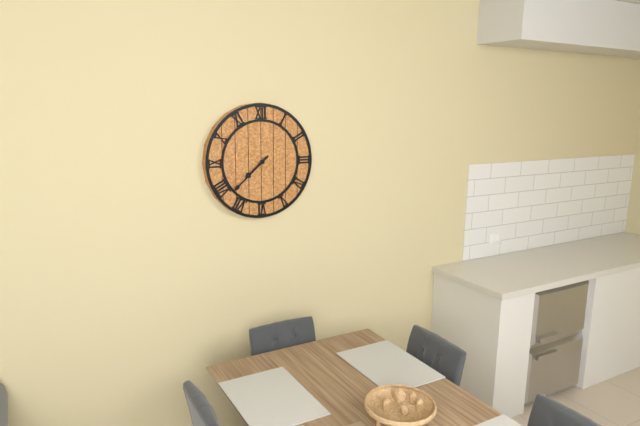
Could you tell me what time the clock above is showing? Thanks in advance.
7:38
